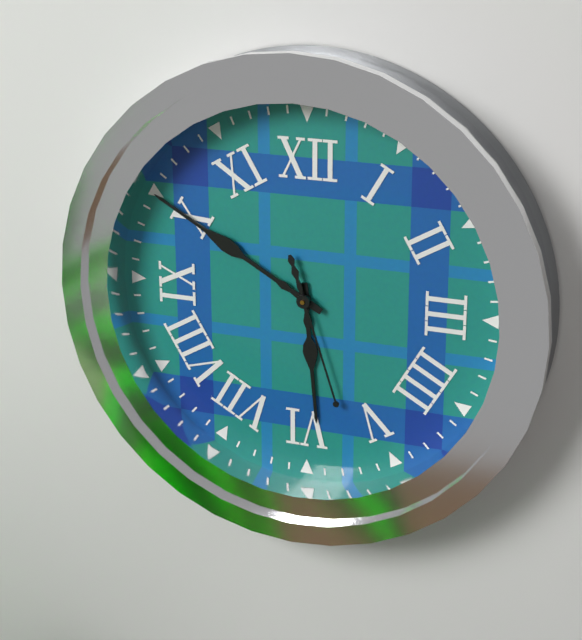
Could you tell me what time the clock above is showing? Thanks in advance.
5:50:27
